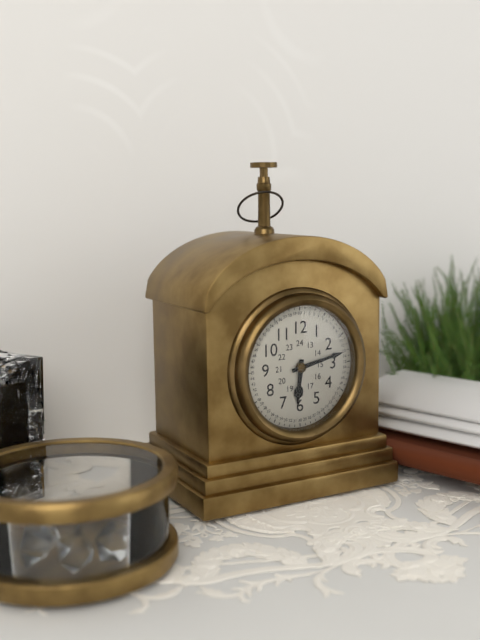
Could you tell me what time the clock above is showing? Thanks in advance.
6:13
